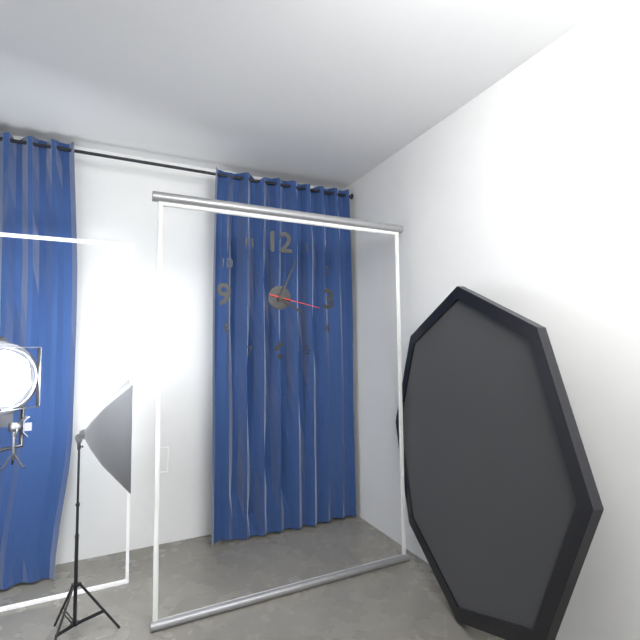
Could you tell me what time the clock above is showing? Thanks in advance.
4:04:17
